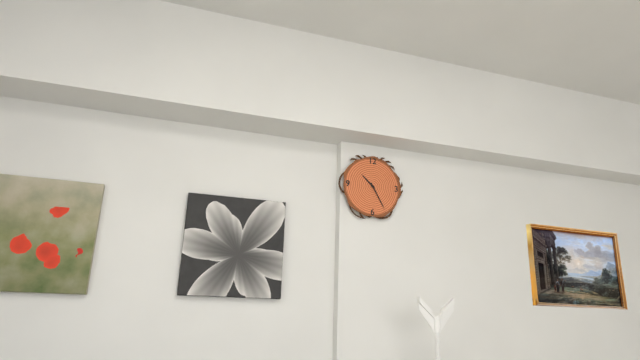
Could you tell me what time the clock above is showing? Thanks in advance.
10:25
